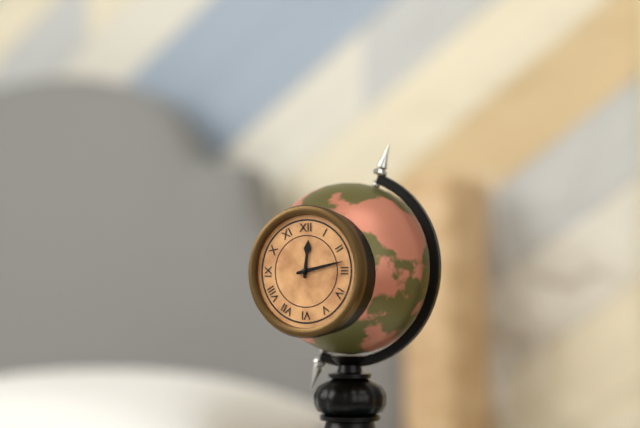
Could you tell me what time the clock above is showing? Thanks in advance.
12:13
